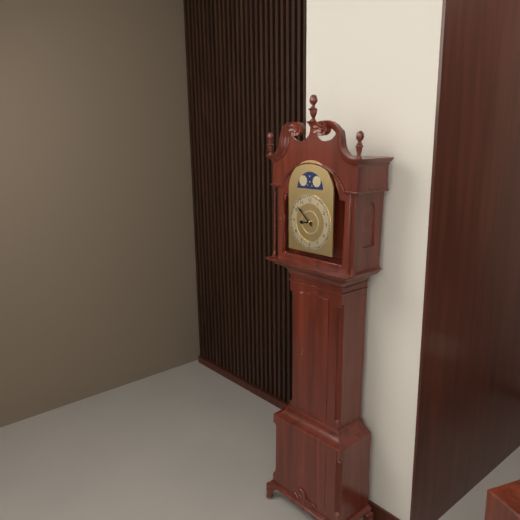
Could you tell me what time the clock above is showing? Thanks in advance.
8:52
